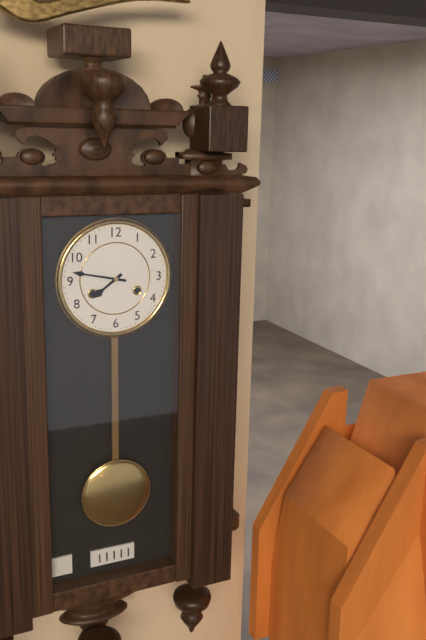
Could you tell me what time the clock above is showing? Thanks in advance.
7:47
